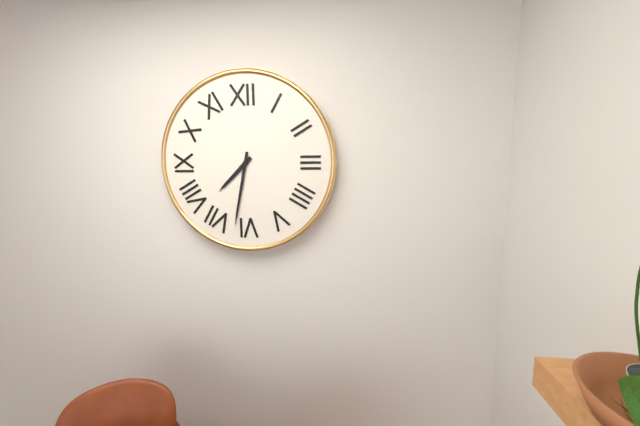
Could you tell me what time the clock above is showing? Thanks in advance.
7:32
